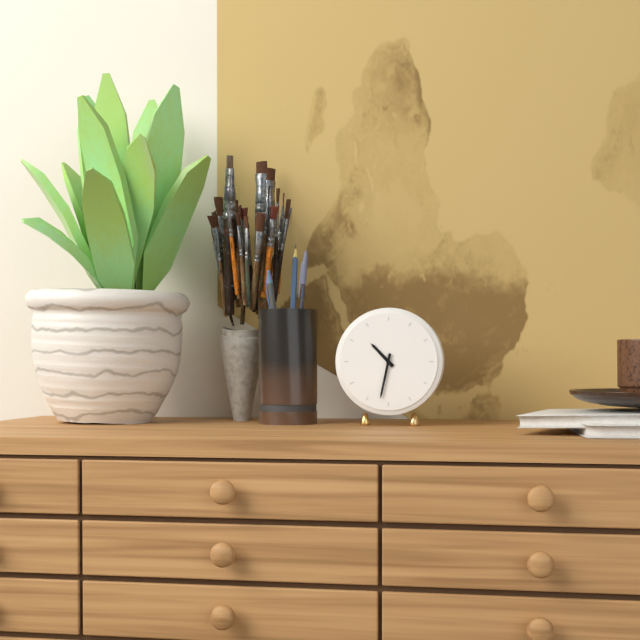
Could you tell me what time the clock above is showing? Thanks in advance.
10:32
